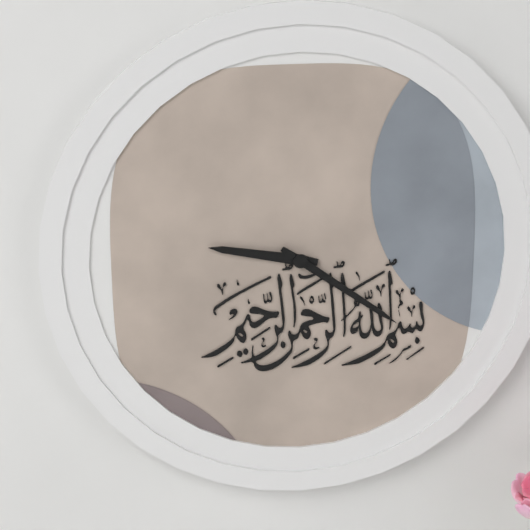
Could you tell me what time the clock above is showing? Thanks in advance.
9:21
